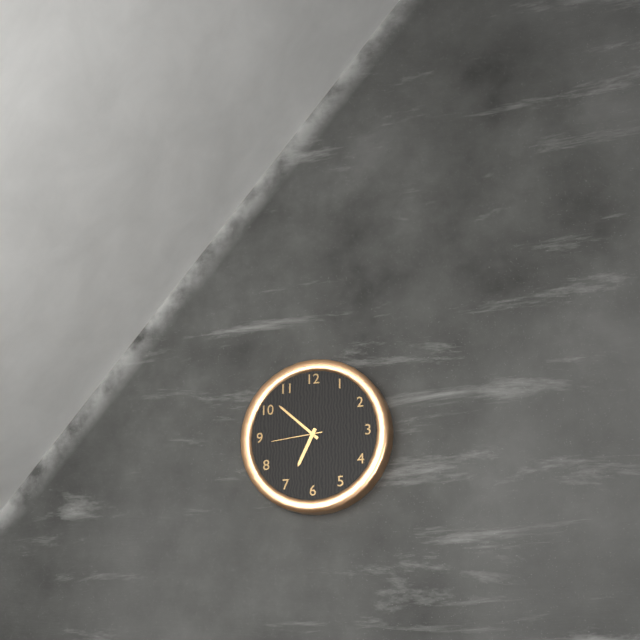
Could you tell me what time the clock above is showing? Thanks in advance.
6:52:44
